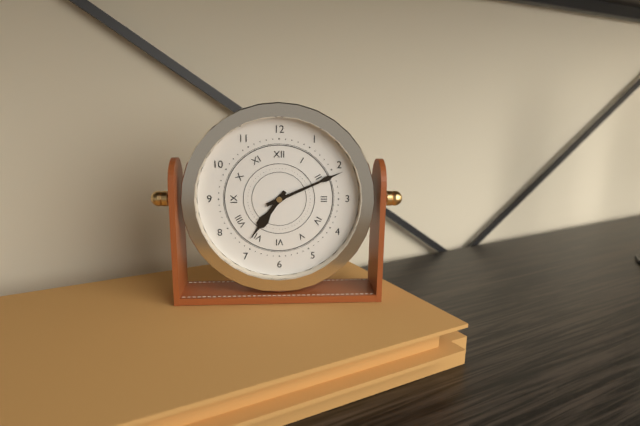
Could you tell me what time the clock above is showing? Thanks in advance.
7:11
